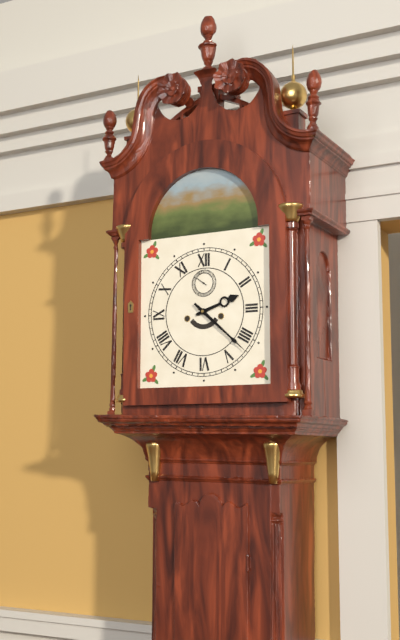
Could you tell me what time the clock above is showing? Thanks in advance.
2:22
